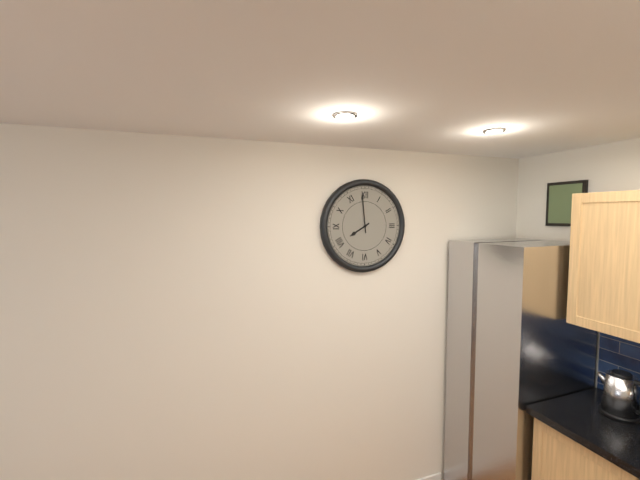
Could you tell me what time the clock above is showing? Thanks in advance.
7:59
